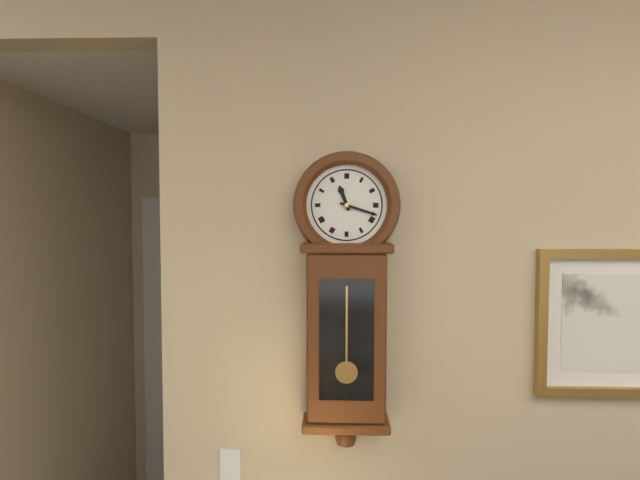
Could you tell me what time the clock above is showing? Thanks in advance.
11:18
